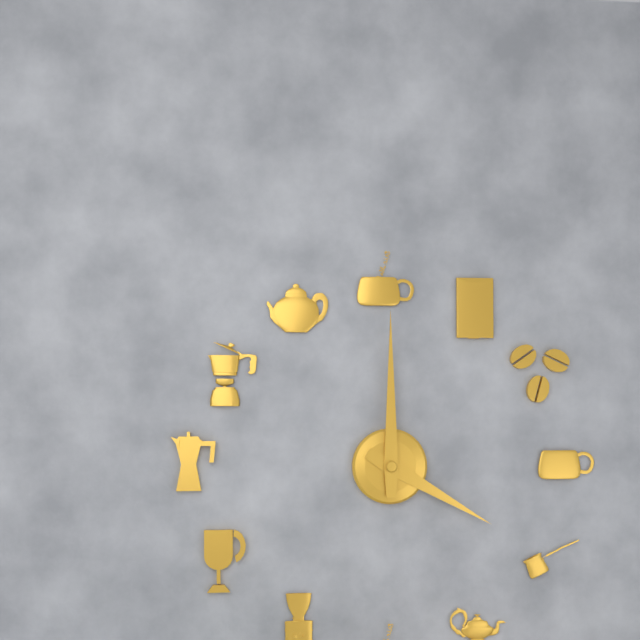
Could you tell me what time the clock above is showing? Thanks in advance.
4:00
